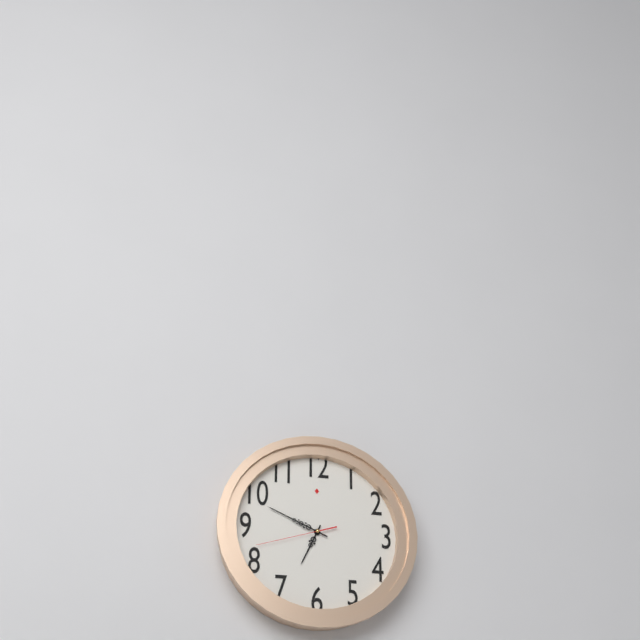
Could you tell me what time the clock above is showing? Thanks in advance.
6:49:42
